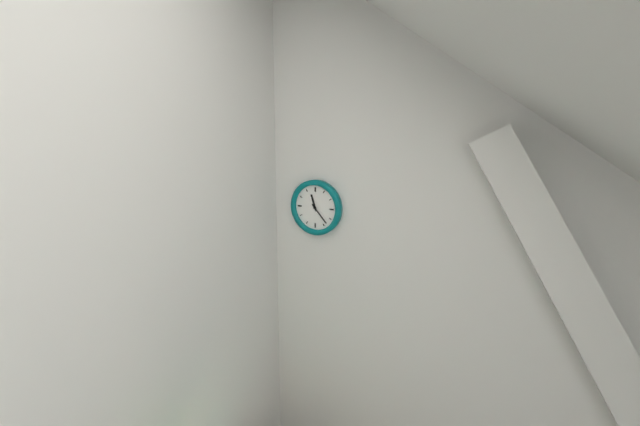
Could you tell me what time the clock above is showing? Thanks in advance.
11:23
